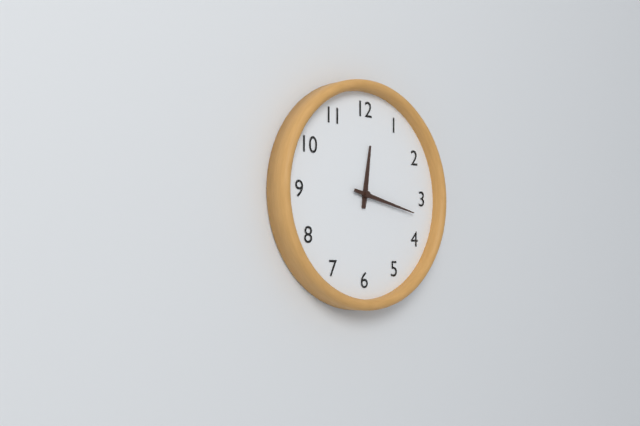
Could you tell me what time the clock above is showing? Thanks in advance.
12:17
